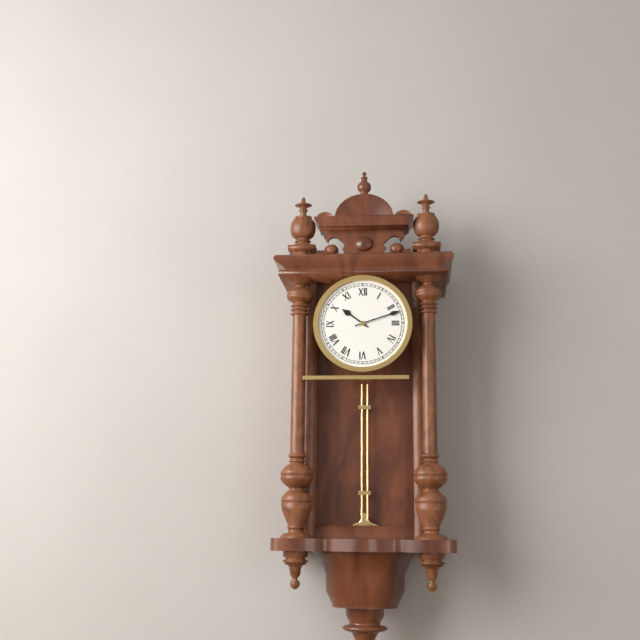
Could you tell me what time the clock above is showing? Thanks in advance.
10:12
